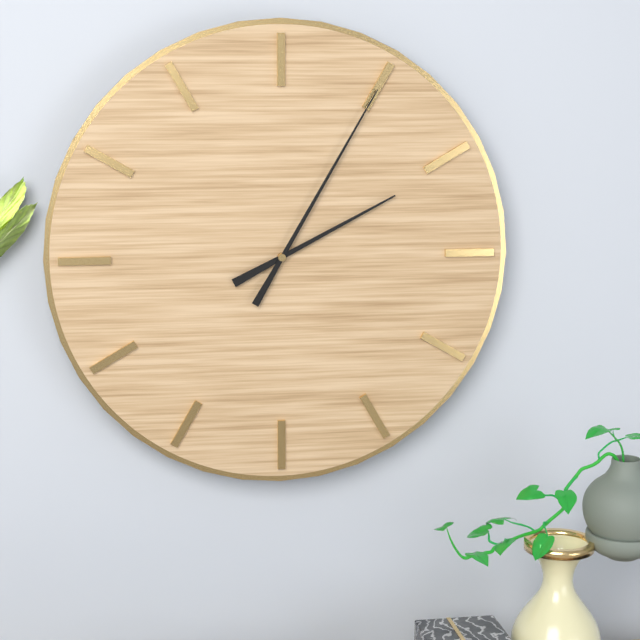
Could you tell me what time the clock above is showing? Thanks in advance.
2:05
